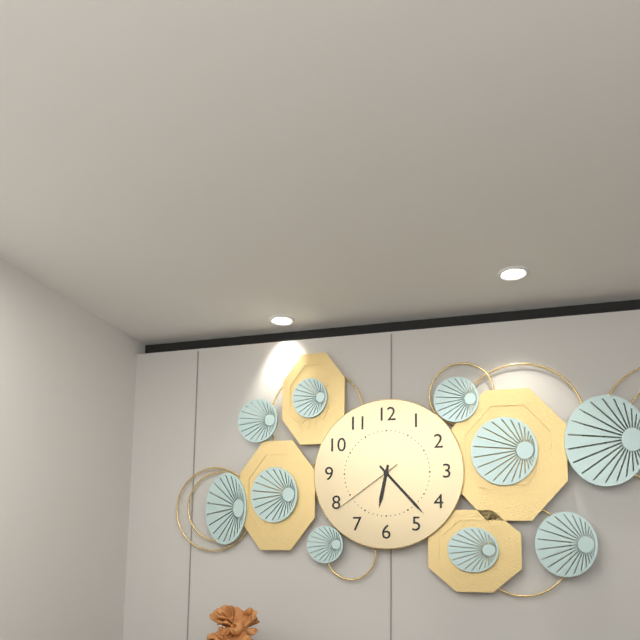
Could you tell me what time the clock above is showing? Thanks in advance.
6:23:39
